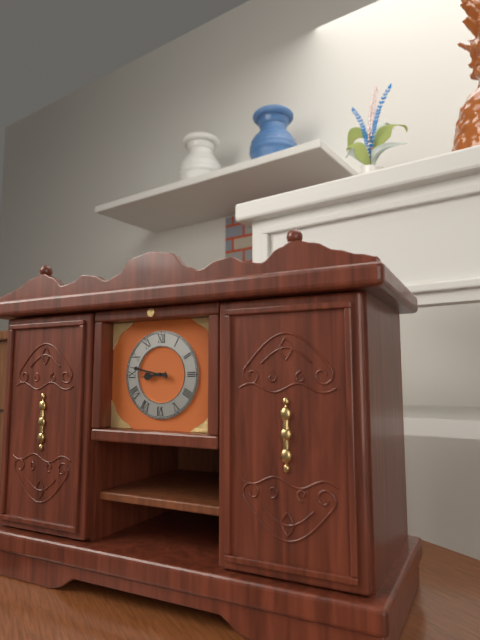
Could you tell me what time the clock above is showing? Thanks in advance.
8:47
